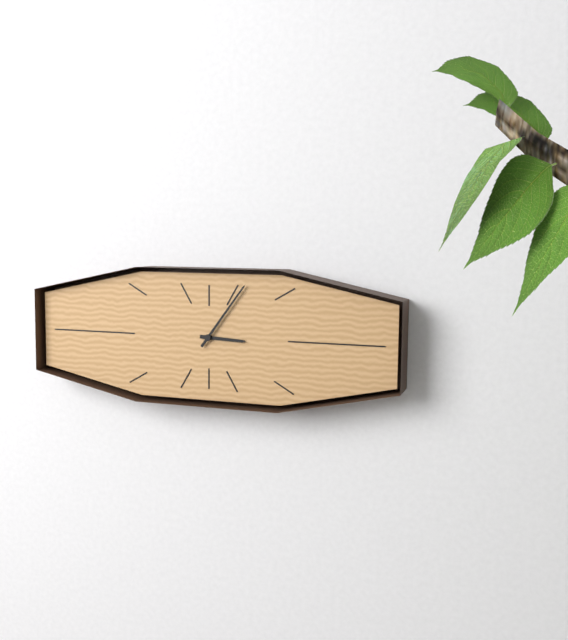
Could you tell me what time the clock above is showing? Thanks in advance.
3:06
